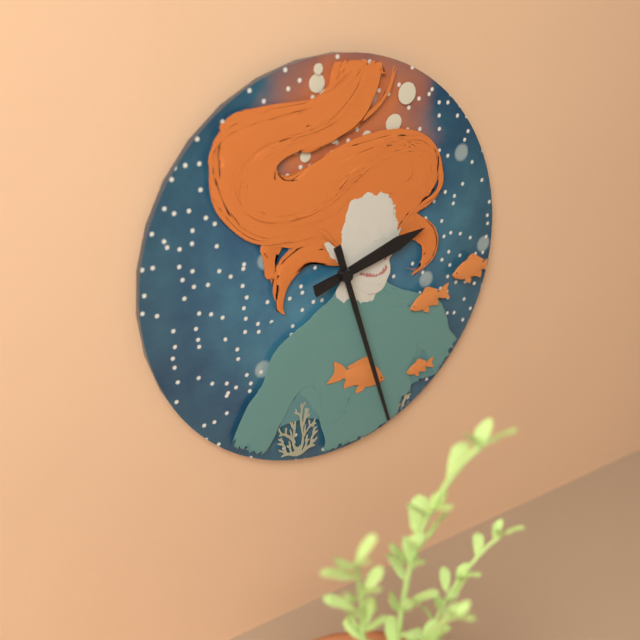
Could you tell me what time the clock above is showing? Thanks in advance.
2:27
